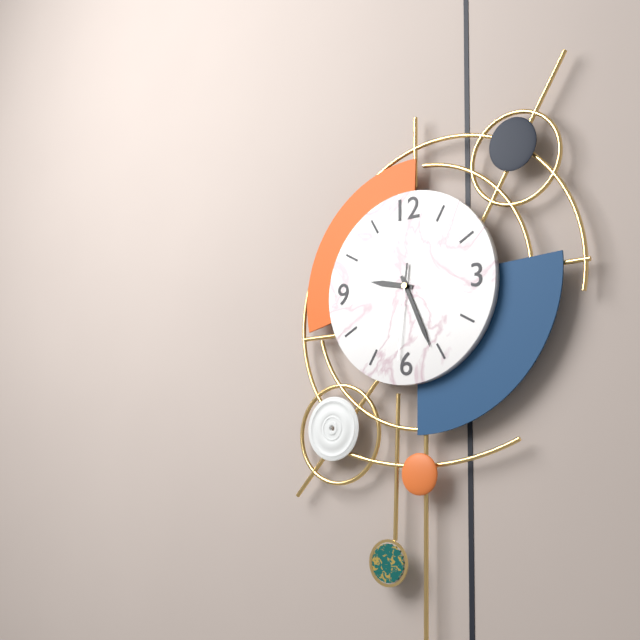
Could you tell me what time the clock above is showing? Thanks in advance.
9:26:31
